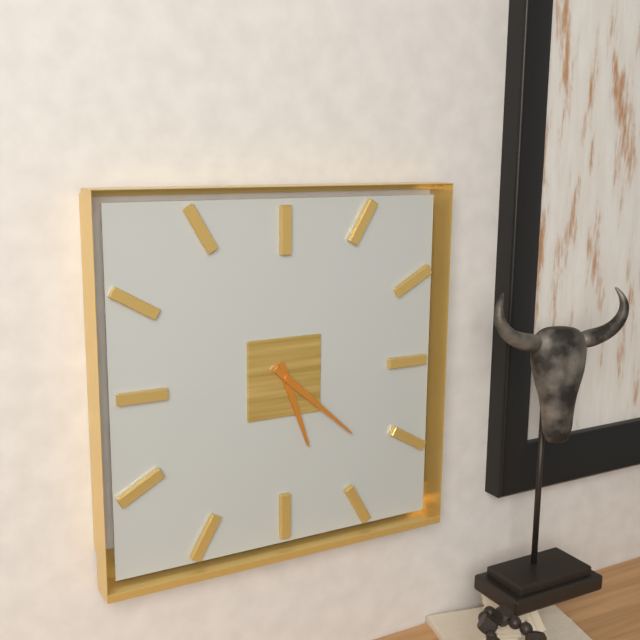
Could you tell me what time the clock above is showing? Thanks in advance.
5:22
